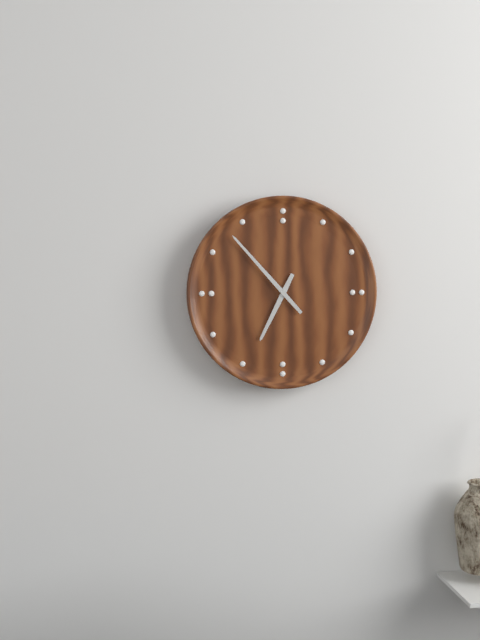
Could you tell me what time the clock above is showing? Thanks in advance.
6:53
